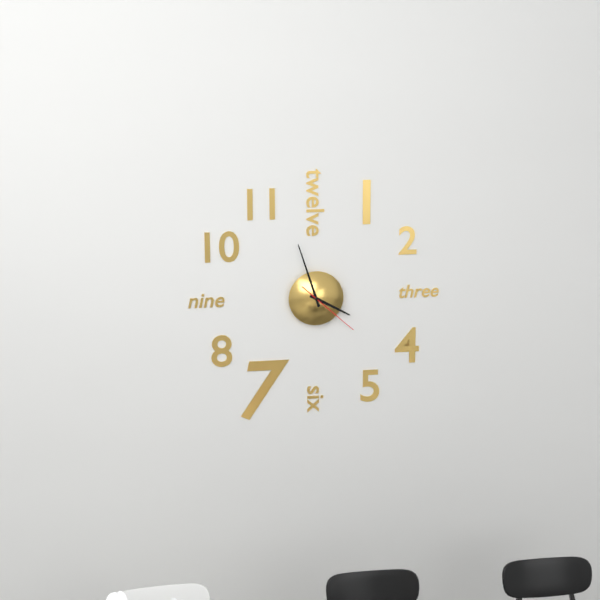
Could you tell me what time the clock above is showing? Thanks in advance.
3:57:22
